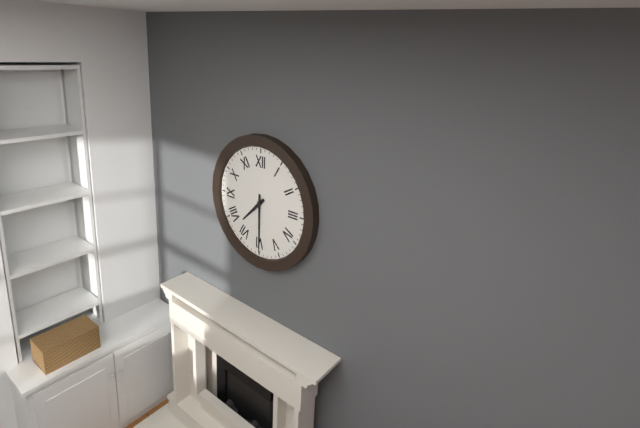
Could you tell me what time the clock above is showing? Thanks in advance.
7:30
